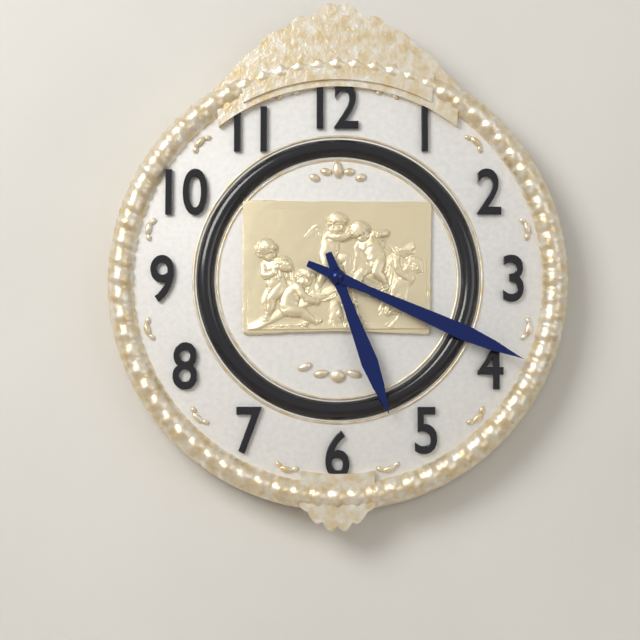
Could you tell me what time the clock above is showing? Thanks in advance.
5:19
